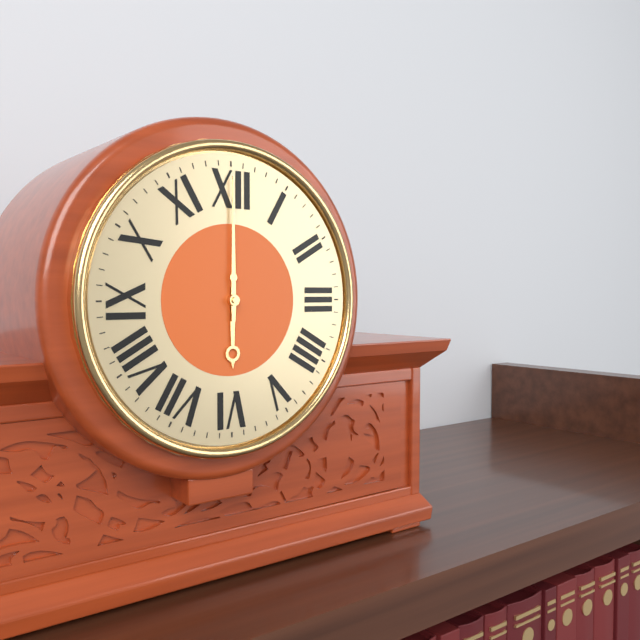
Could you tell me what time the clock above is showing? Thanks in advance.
6:00
